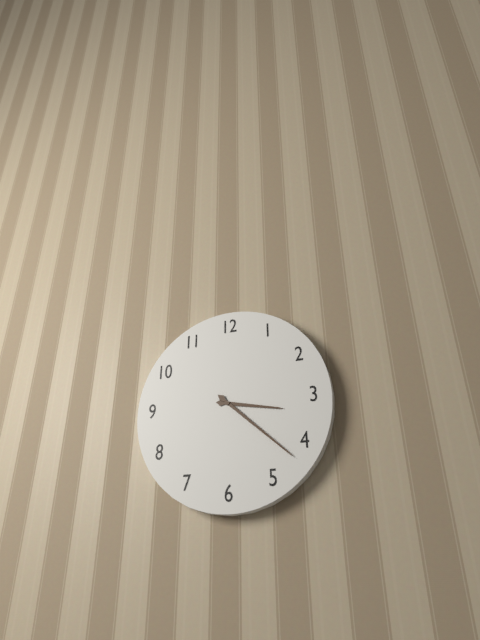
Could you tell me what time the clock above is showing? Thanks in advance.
3:22
